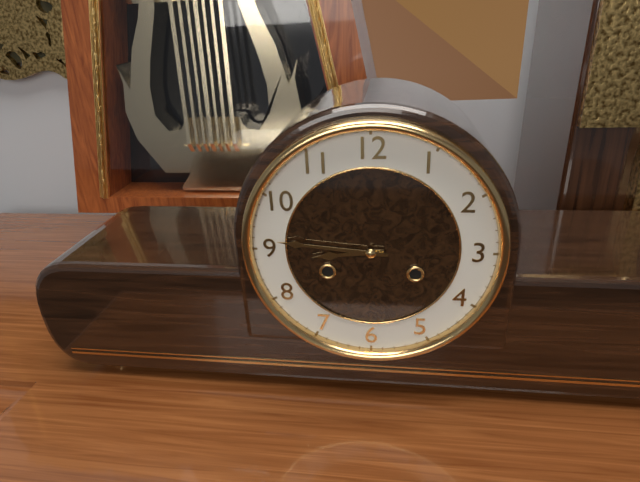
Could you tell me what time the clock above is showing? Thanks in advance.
8:46
